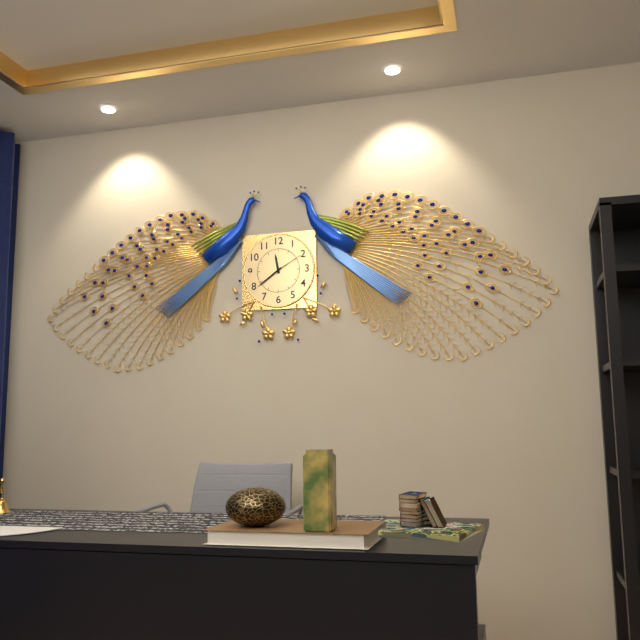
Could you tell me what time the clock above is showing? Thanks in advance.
11:39
